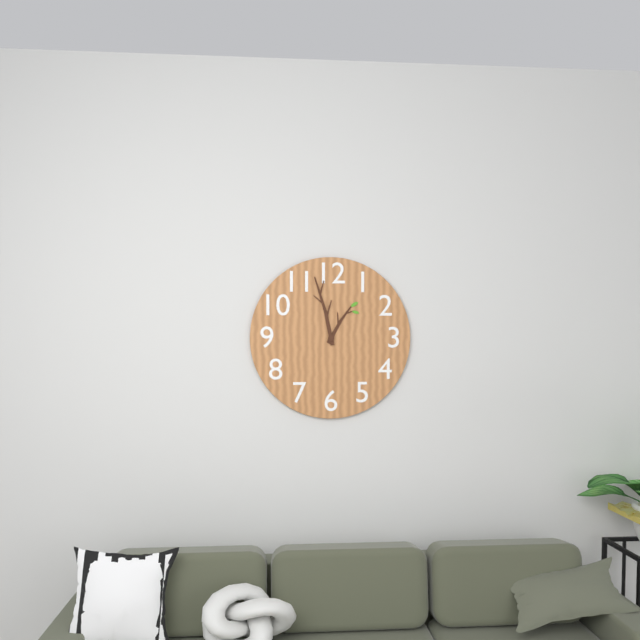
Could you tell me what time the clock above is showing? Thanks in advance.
12:58
